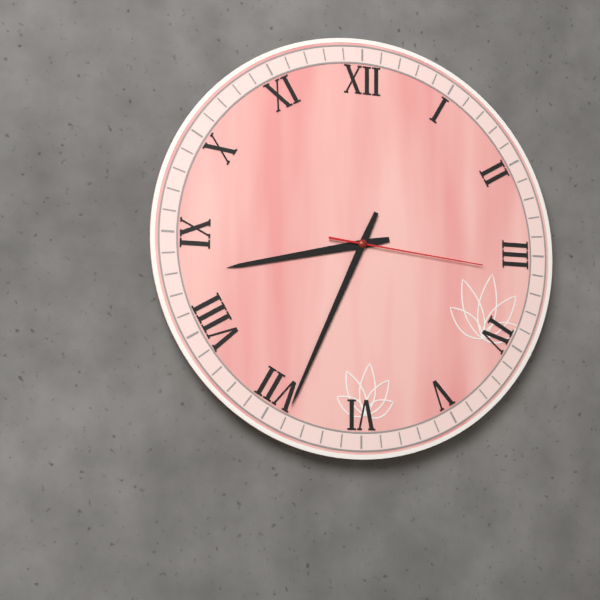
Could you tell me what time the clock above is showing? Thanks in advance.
8:34:16
